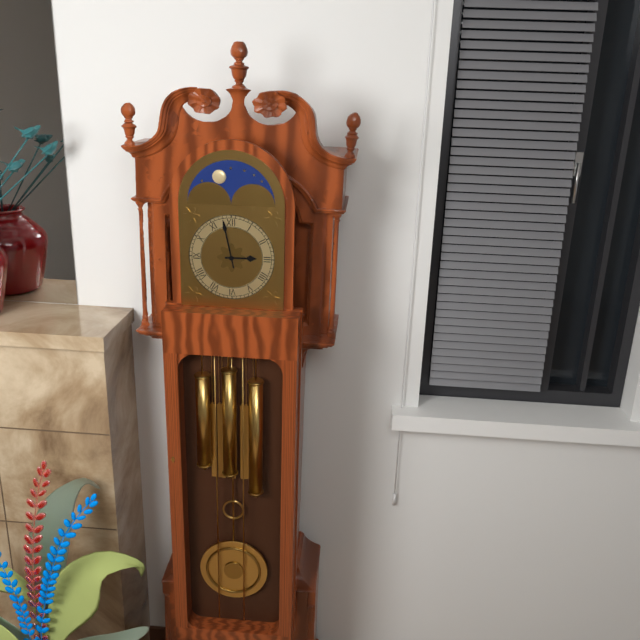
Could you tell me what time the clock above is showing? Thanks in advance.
2:58
